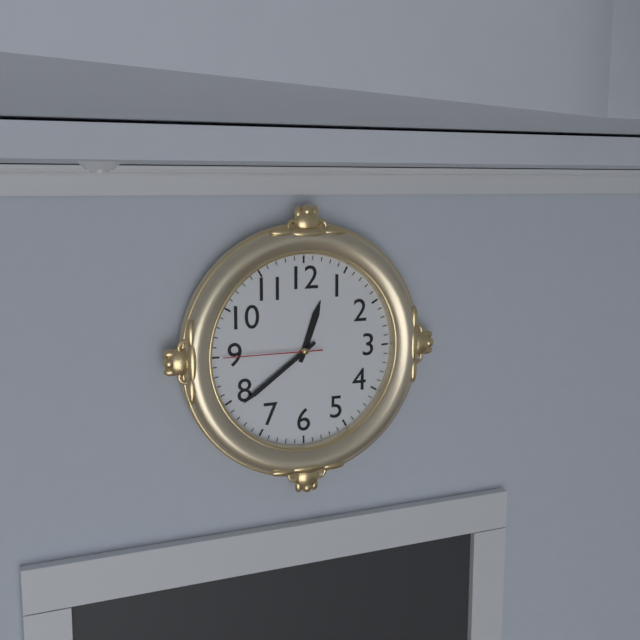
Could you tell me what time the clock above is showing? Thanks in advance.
12:39:45
